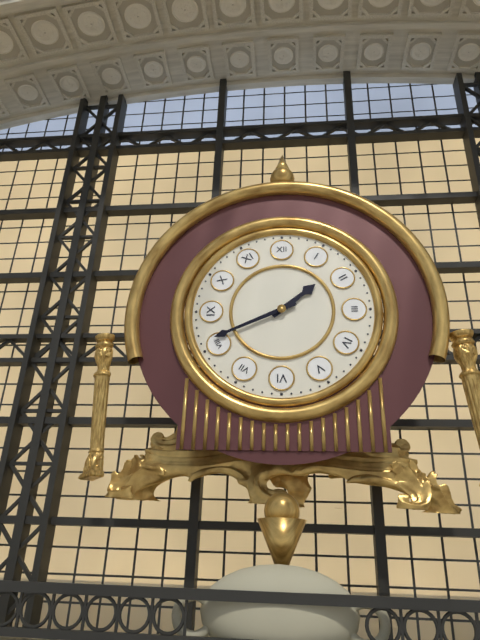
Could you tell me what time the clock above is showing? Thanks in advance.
1:41
